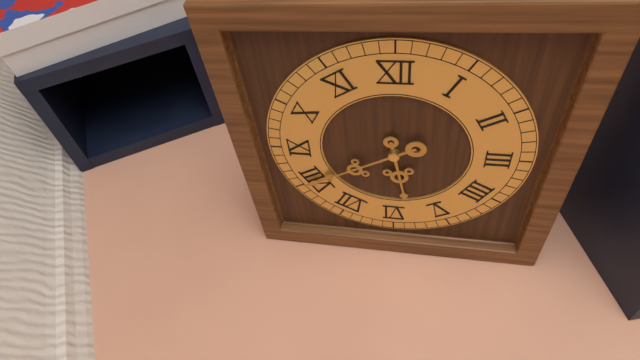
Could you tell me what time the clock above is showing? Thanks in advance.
5:40
